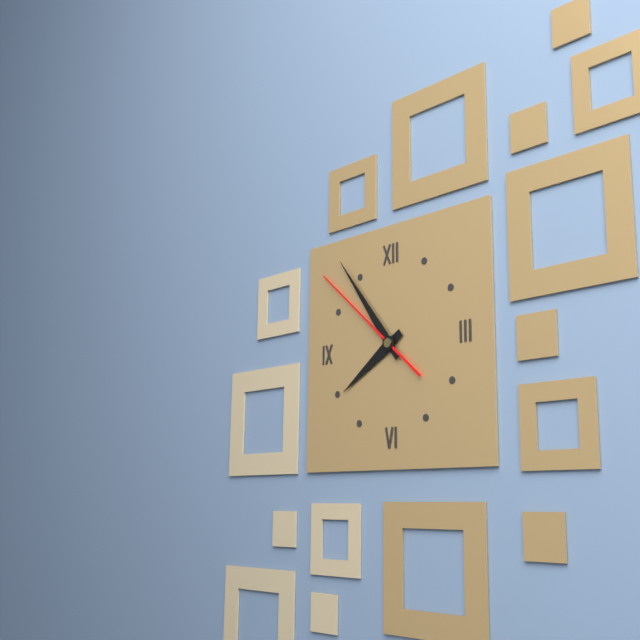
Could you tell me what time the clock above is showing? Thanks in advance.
7:54:52
